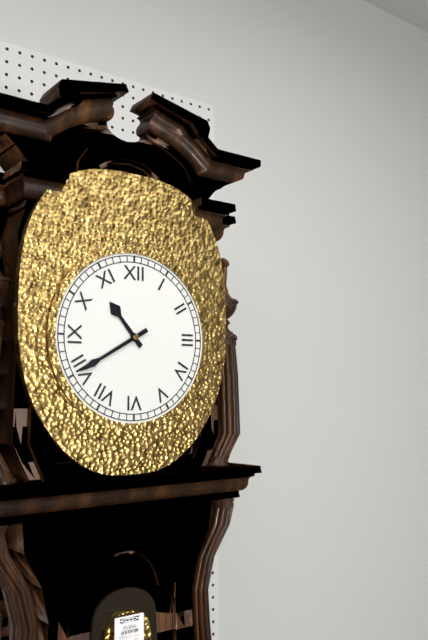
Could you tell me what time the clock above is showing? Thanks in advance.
10:40
